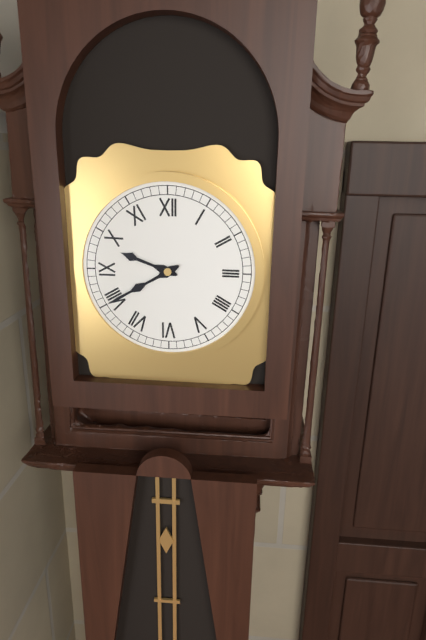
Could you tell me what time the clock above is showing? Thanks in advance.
9:40
